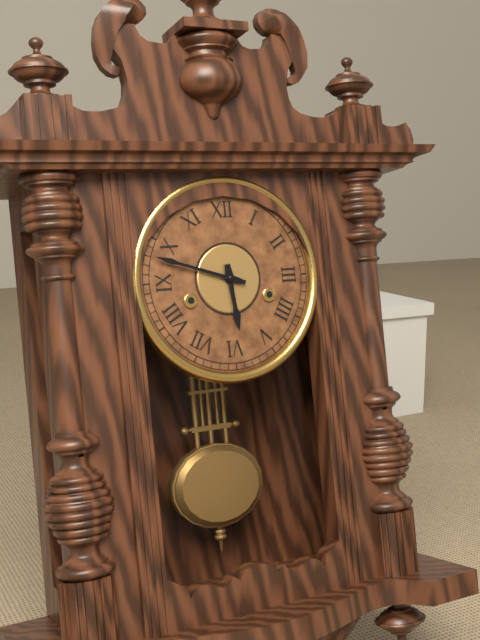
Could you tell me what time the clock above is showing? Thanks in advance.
5:48
